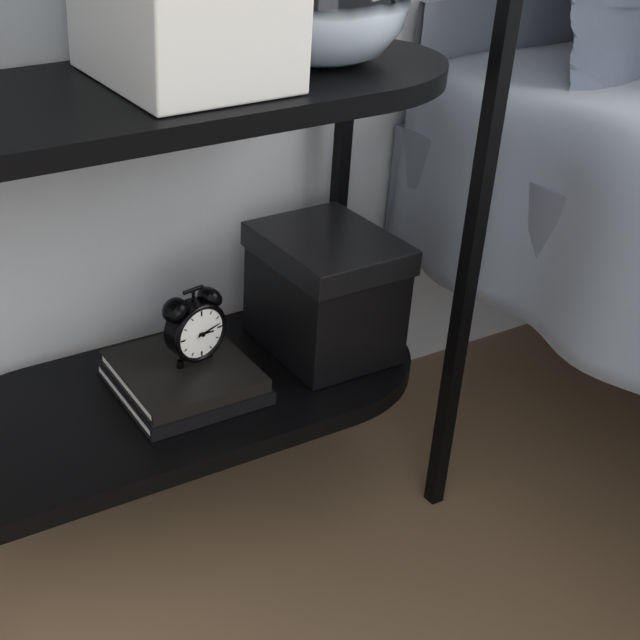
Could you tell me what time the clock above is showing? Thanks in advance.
3:13
